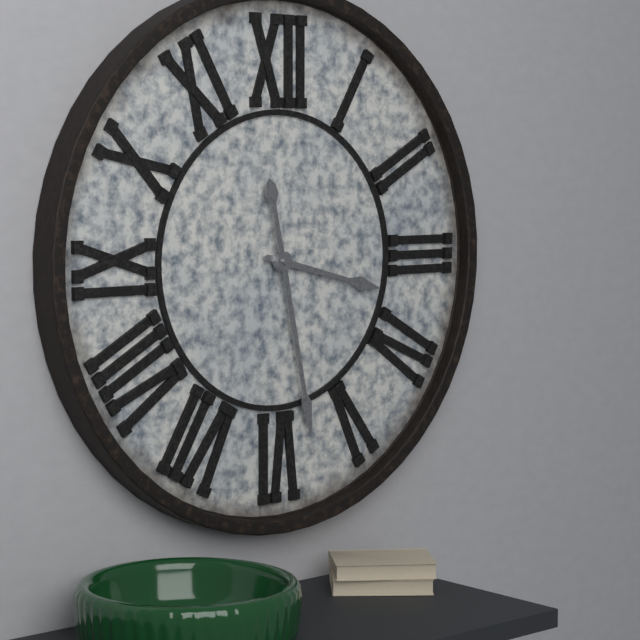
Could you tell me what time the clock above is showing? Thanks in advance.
3:28
